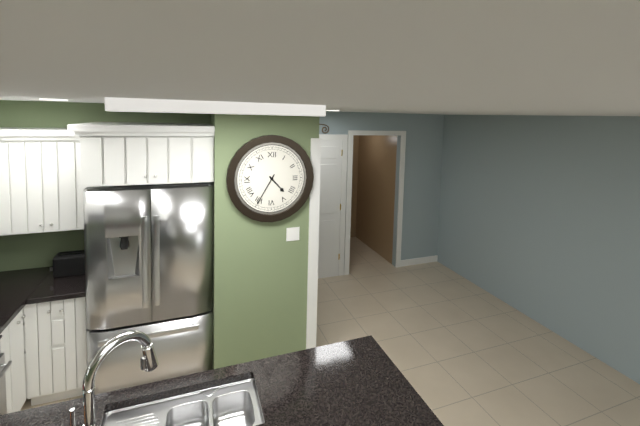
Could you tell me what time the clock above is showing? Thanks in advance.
4:35
